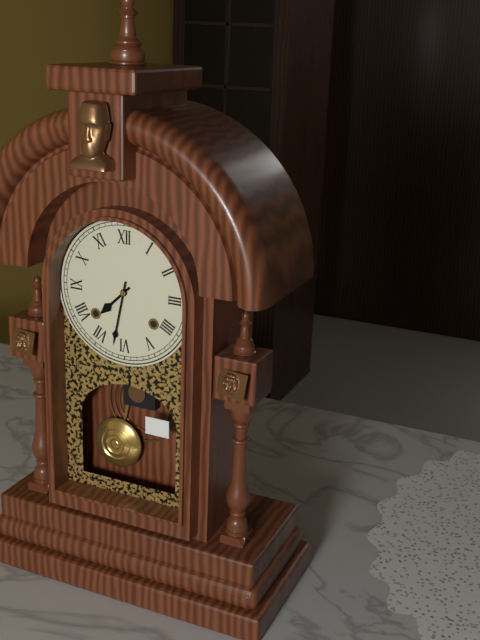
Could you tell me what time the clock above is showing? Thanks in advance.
7:32
